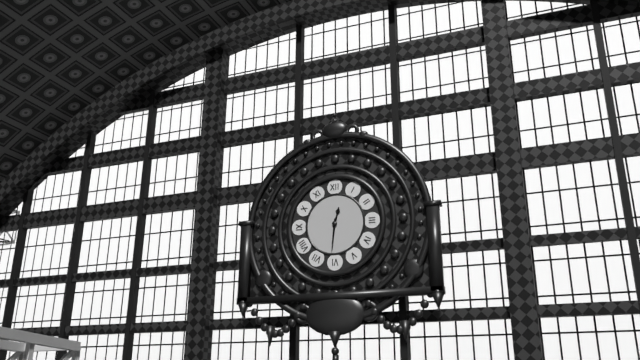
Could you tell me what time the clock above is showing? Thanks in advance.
12:31
